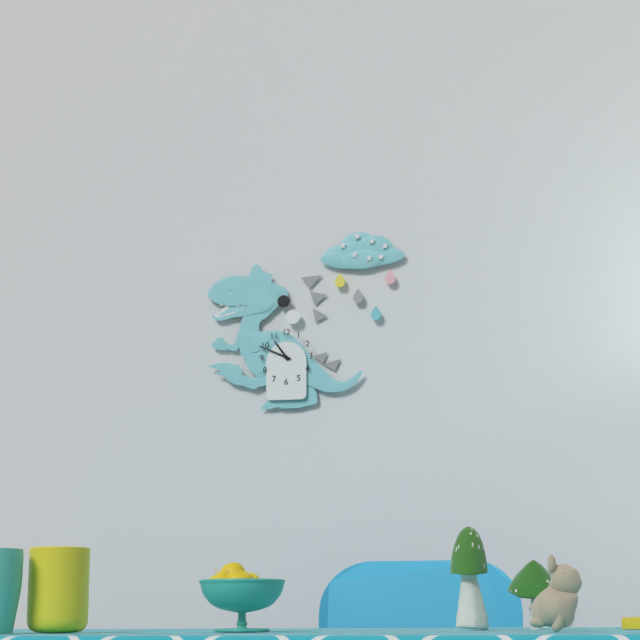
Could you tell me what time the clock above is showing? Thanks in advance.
10:49
